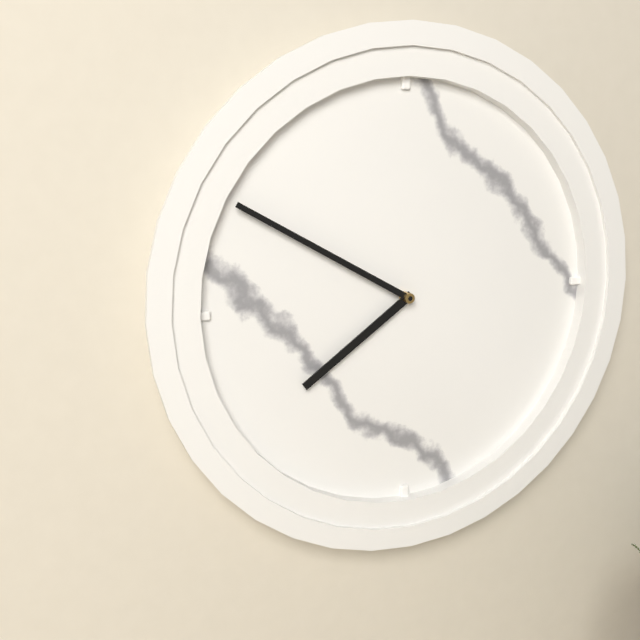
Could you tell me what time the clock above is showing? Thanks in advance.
7:50
